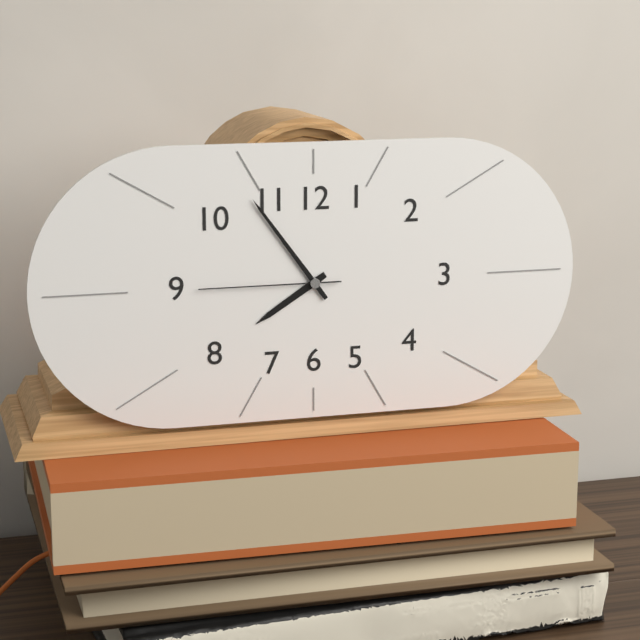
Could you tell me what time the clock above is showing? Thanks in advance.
7:54:45
